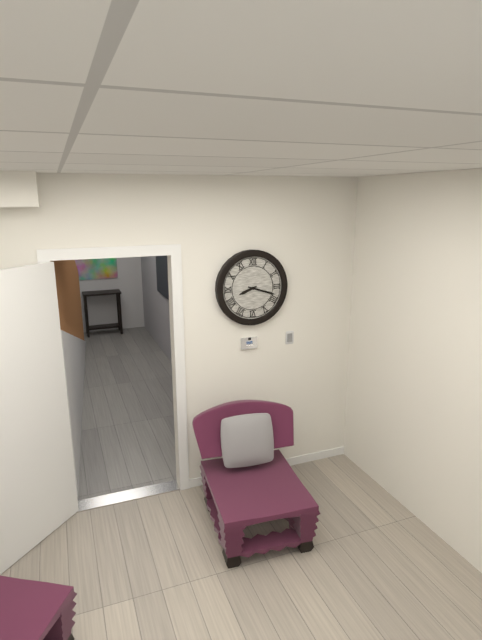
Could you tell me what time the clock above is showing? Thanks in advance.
8:18
